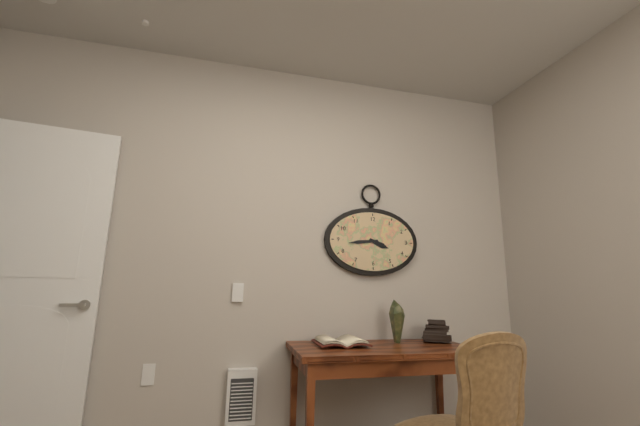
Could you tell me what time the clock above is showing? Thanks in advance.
3:44
